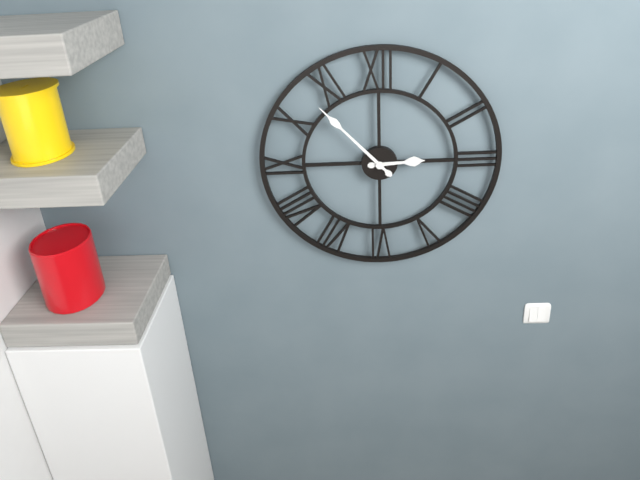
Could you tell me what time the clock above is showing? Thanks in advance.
2:53
